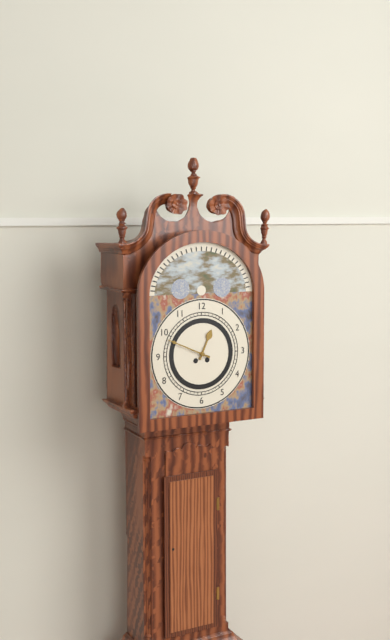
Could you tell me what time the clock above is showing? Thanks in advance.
12:49
